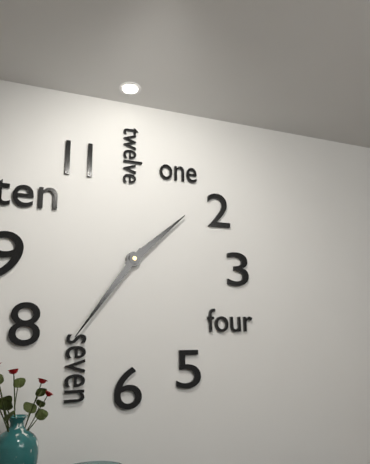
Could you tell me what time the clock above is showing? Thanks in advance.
1:36
